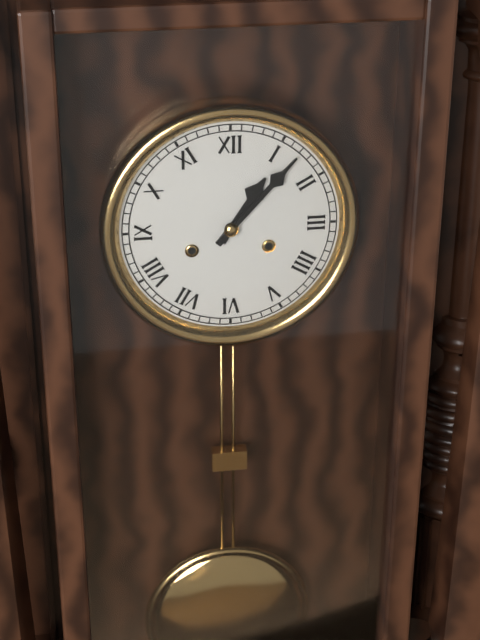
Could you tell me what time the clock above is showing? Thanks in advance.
1:07
